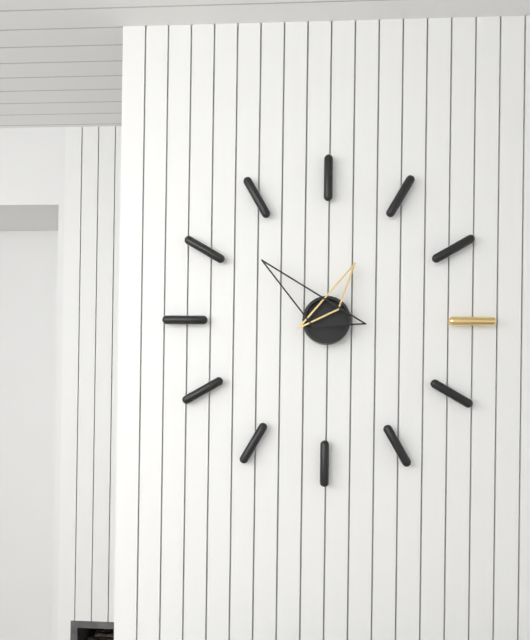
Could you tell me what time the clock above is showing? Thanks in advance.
12:52
